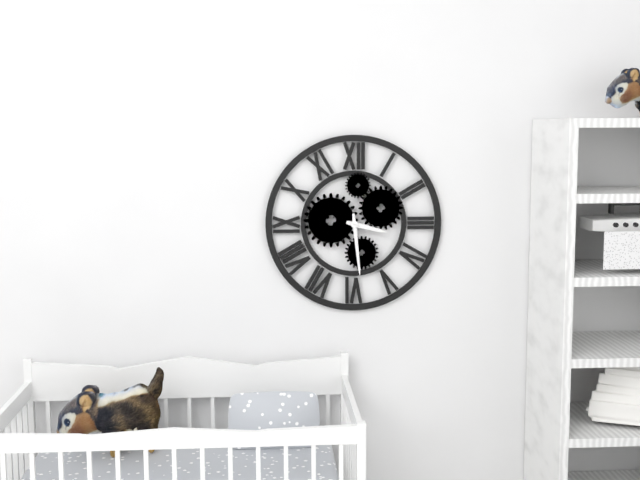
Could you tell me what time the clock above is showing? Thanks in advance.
3:29
